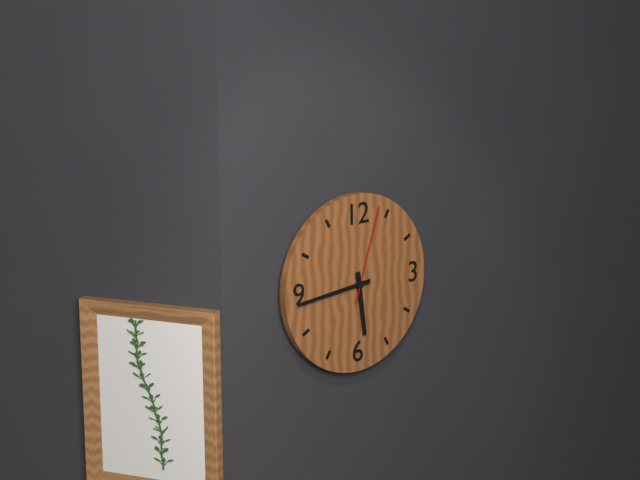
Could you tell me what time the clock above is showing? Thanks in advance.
5:44:03
